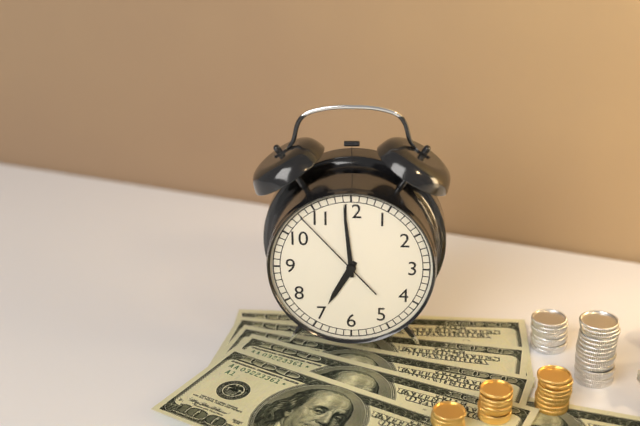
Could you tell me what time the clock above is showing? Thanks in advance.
6:59:53
